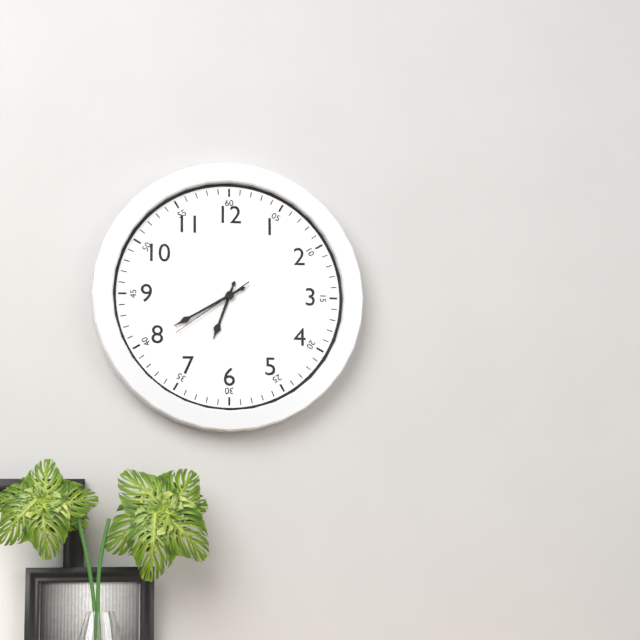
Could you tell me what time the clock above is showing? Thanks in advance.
6:40:39
